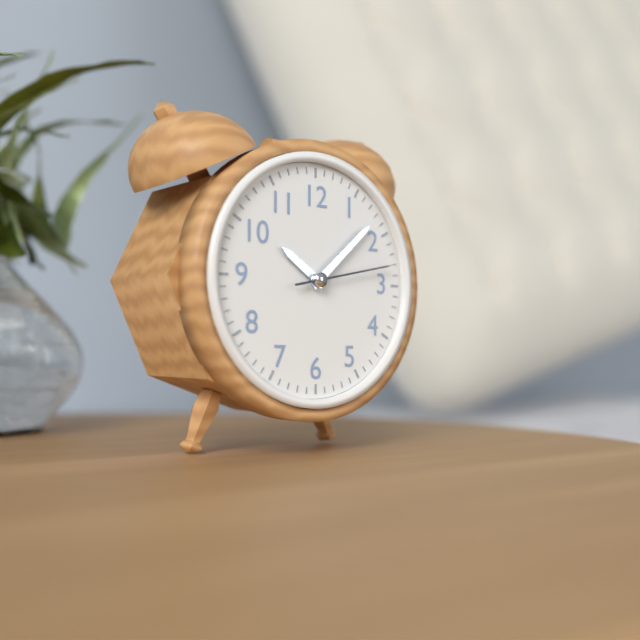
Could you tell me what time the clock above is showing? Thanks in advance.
10:08:13
